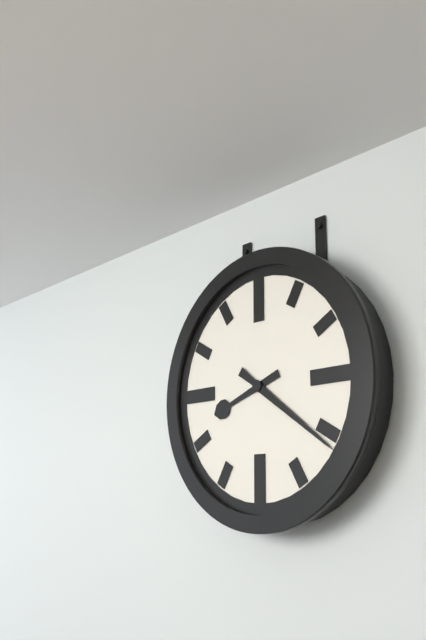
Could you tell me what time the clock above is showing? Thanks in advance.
8:21
